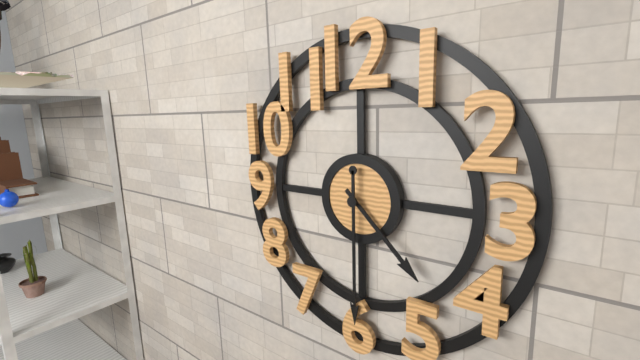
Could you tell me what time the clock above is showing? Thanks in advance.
4:30
